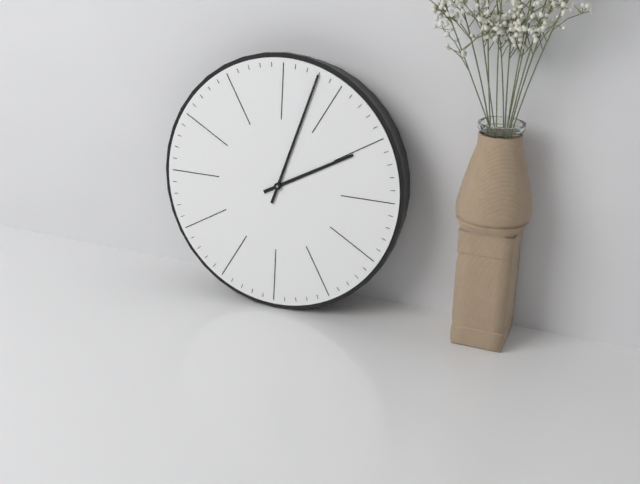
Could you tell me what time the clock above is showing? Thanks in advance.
2:03
